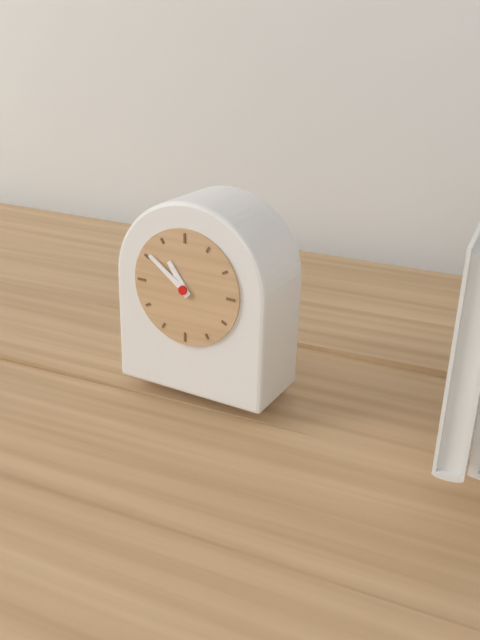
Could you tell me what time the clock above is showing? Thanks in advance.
10:51
